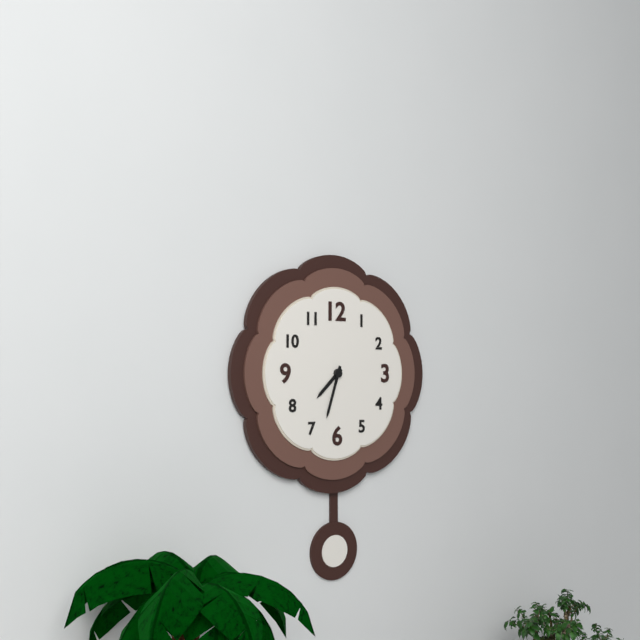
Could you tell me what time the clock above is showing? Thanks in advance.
7:33
